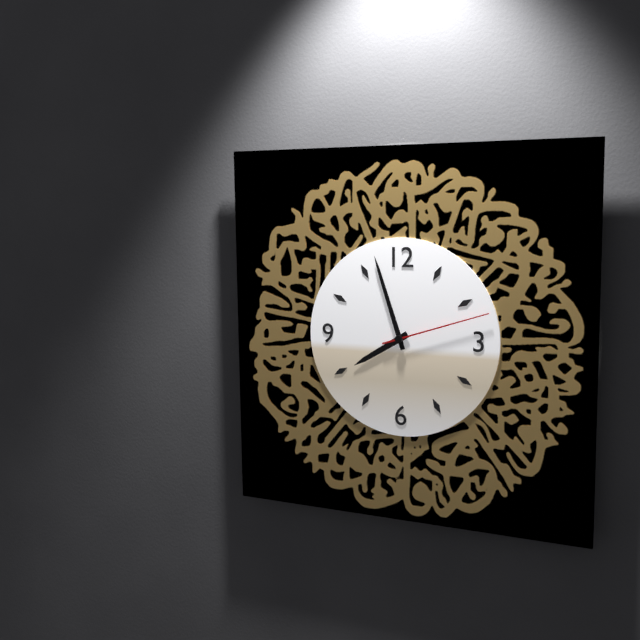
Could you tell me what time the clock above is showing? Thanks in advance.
7:57:12
